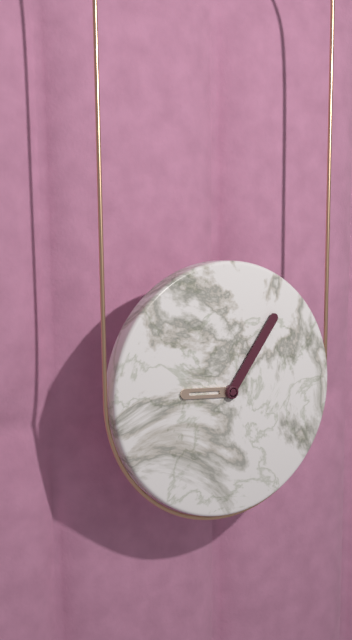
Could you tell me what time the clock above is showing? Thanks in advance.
9:06
